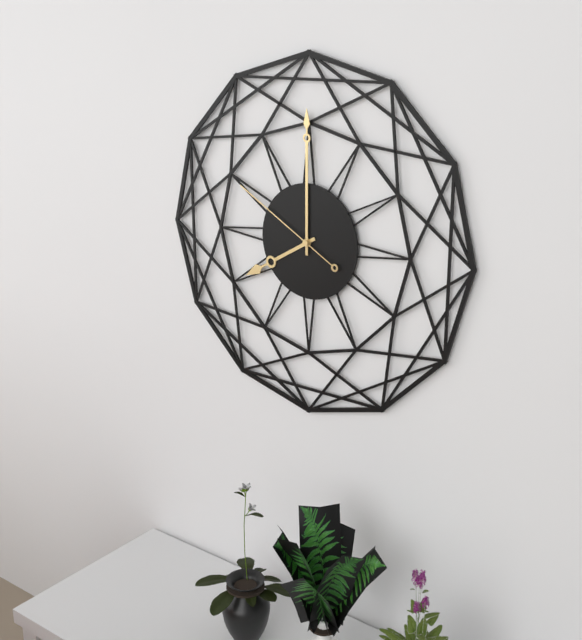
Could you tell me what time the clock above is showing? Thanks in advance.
8:00:50
